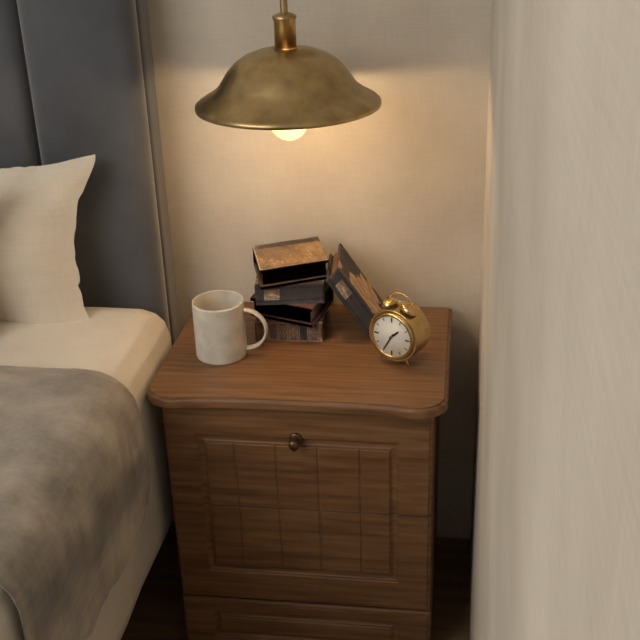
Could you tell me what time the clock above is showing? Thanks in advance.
1:35
